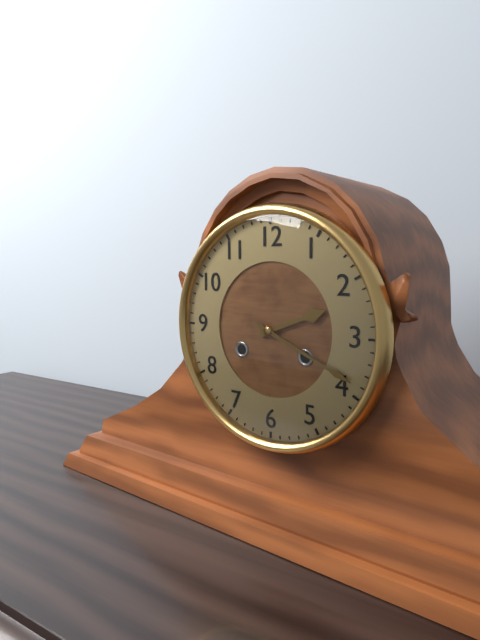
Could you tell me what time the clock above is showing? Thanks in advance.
2:19
